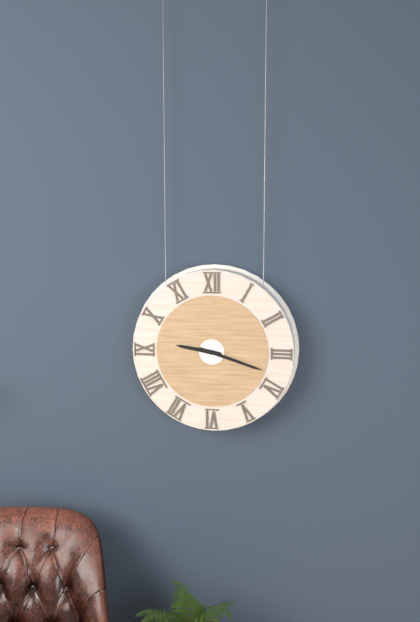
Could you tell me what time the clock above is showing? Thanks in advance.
9:18
